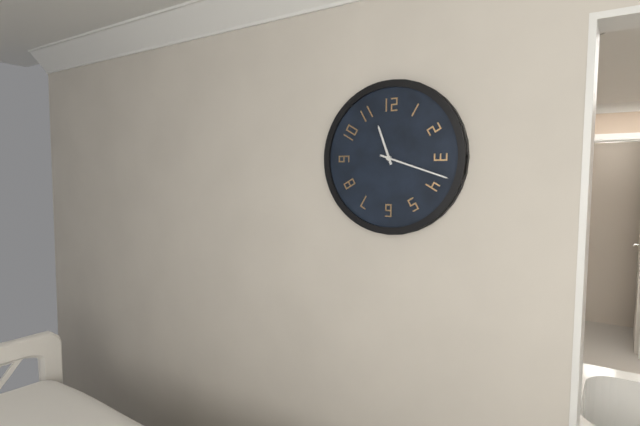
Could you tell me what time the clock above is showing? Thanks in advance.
11:18
